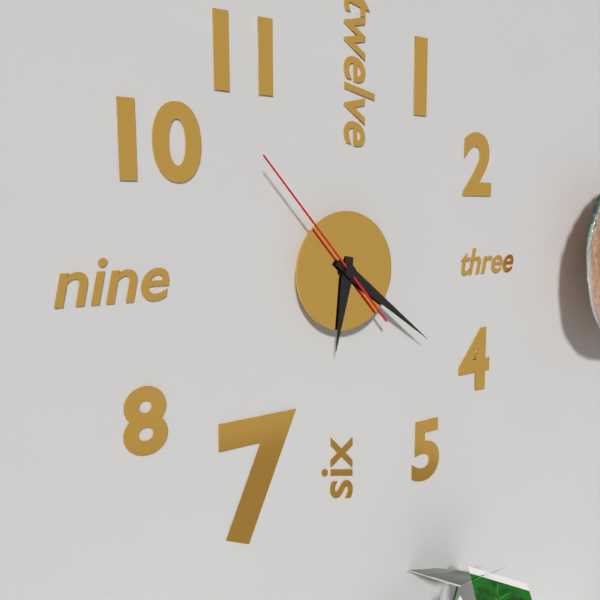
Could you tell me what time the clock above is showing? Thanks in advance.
6:21:53
